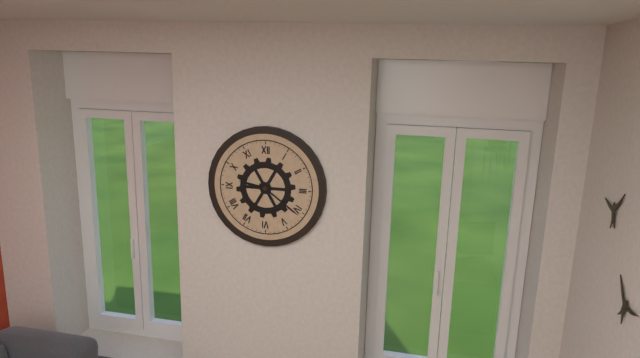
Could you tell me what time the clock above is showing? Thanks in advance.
9:21
